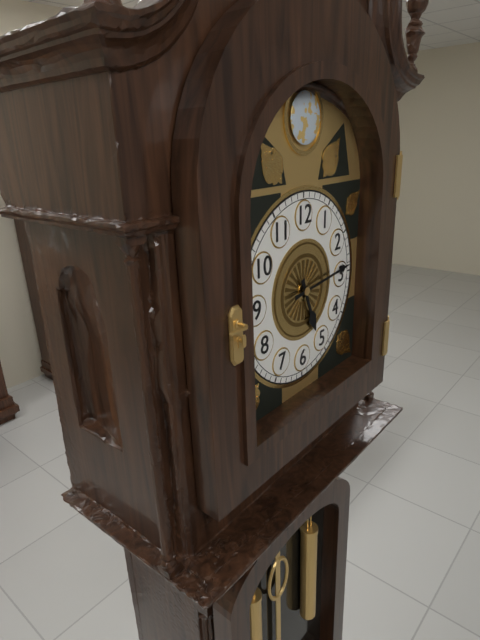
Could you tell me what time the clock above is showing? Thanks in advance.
5:14
